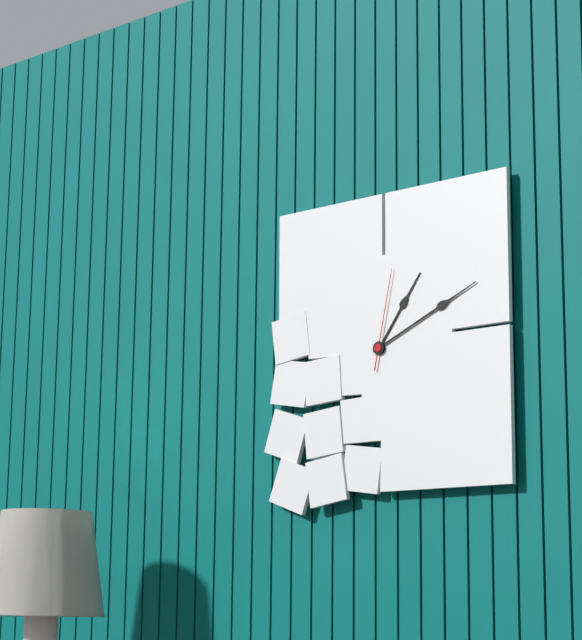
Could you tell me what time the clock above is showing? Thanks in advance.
1:11:02
